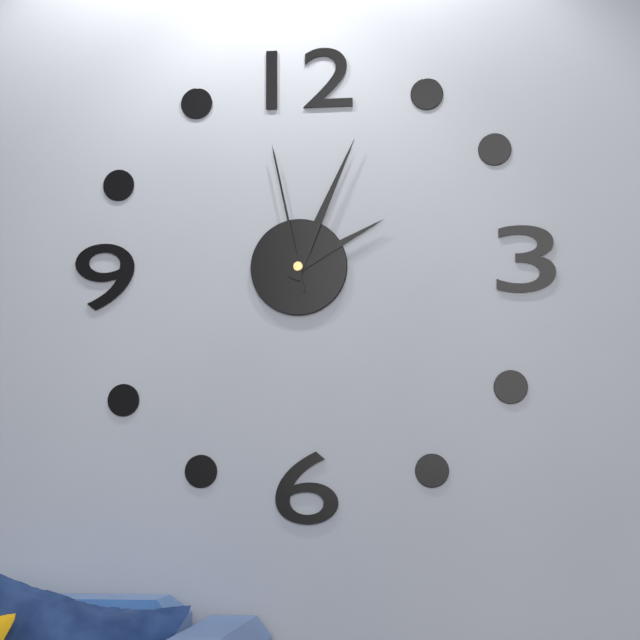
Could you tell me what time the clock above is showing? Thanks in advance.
2:04:58
